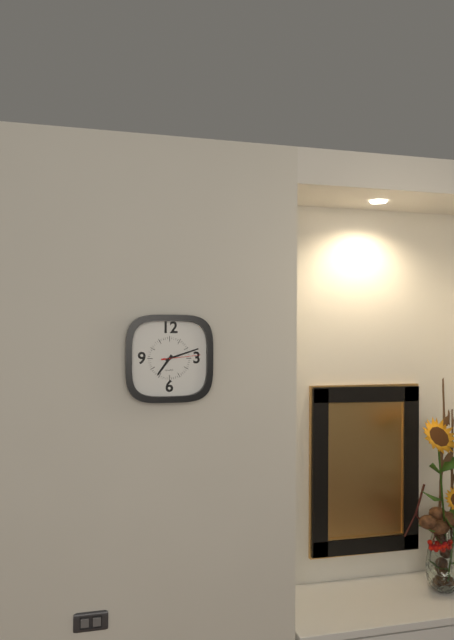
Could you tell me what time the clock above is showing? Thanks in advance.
7:12
